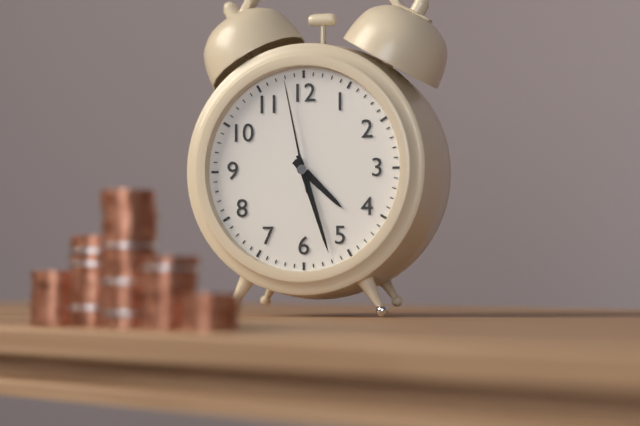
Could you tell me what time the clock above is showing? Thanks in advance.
4:27:58
